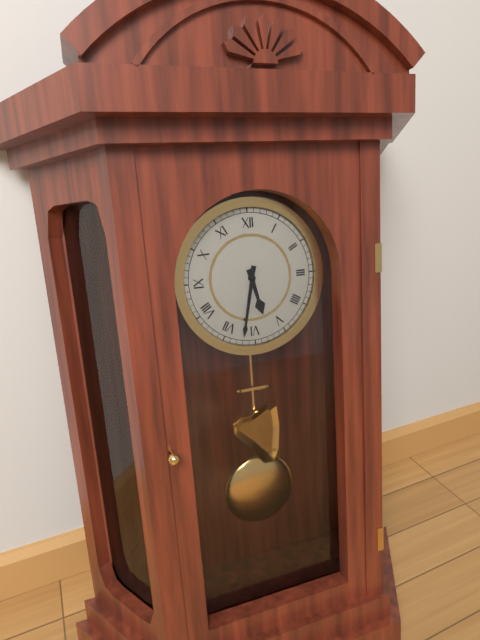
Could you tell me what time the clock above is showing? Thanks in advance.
5:32
